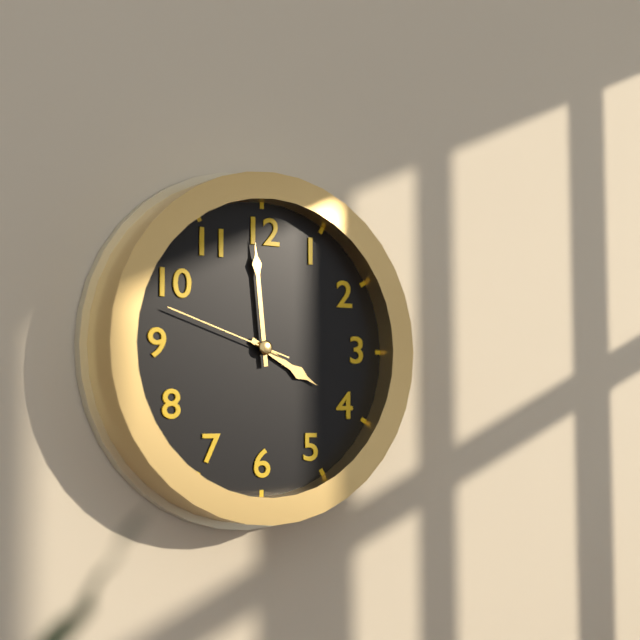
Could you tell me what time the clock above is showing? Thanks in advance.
3:59:48
